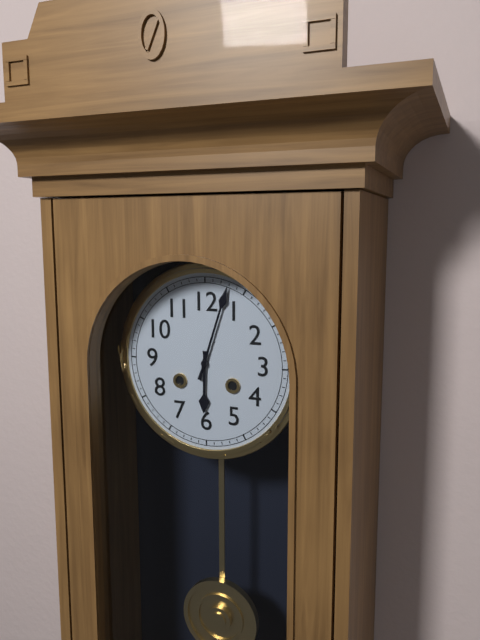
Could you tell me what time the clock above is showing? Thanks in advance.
6:03
